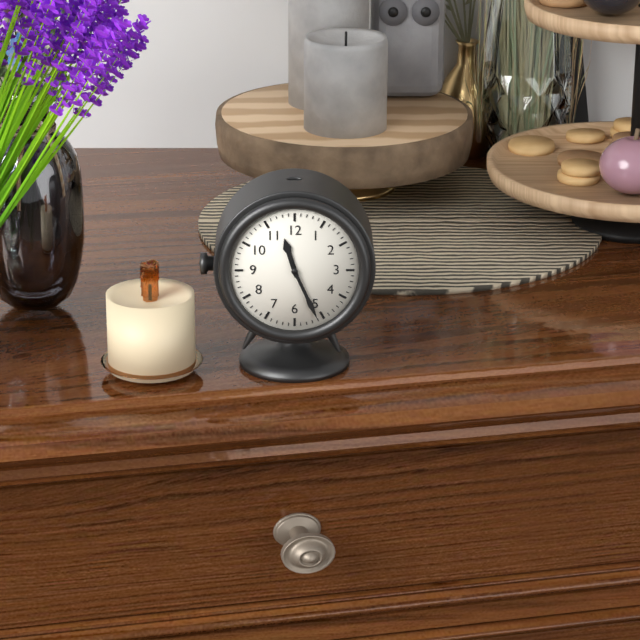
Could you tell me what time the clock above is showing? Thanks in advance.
11:26
